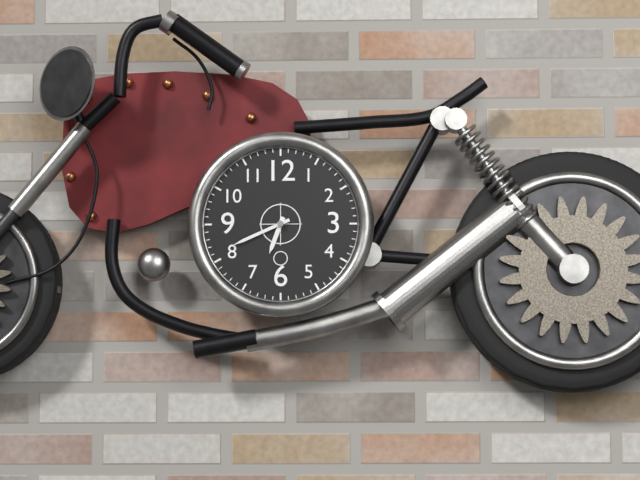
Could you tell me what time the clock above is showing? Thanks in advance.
6:41
